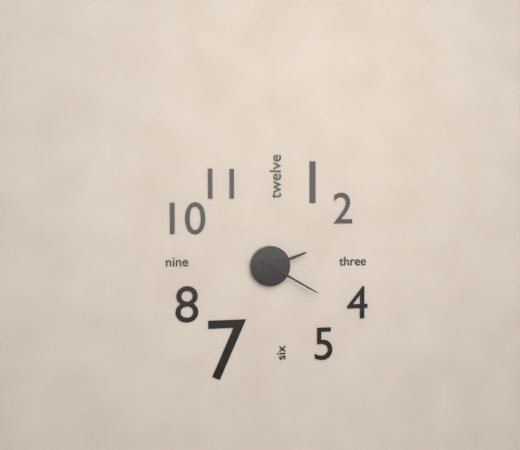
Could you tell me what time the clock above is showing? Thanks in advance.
2:20
